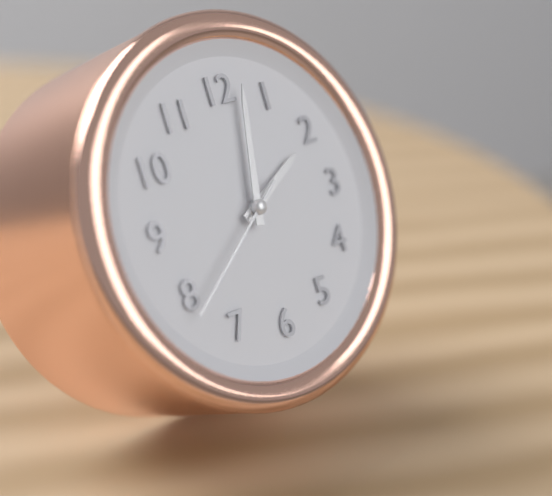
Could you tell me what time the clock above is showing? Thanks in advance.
2:02:39
